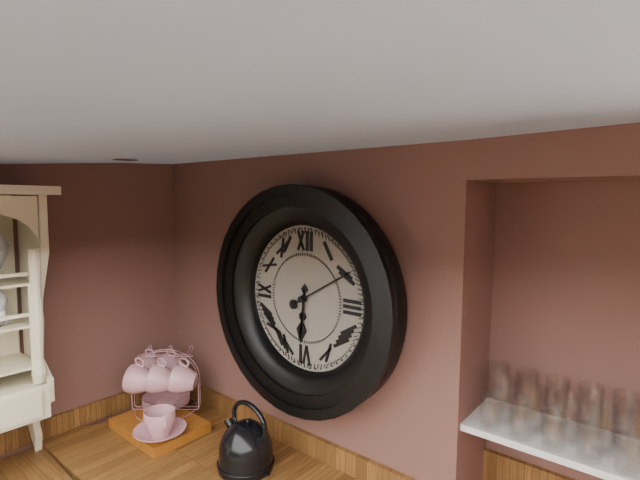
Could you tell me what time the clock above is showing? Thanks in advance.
6:10
